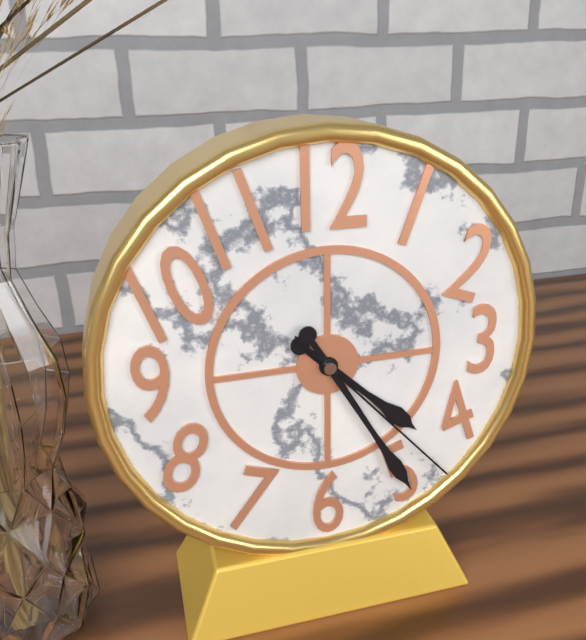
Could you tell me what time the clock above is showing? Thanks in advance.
4:25:23
